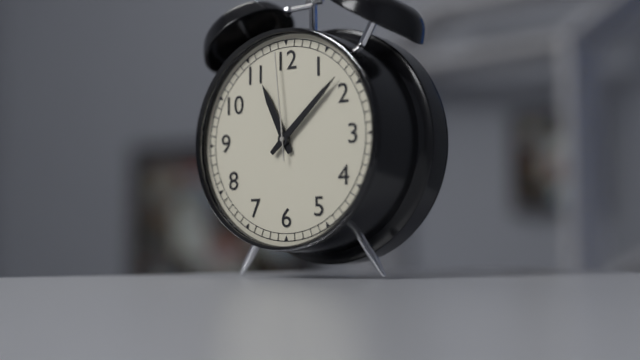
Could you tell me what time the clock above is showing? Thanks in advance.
11:08:59
